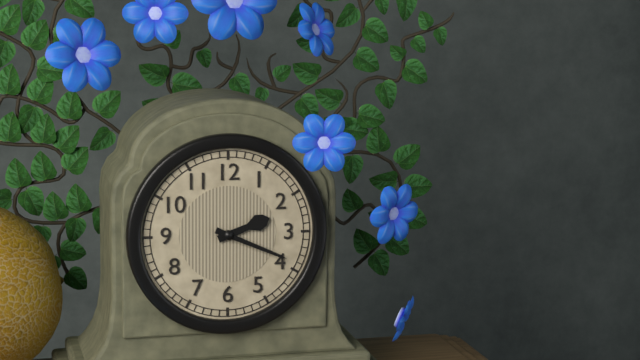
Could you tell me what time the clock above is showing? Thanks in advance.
2:19
